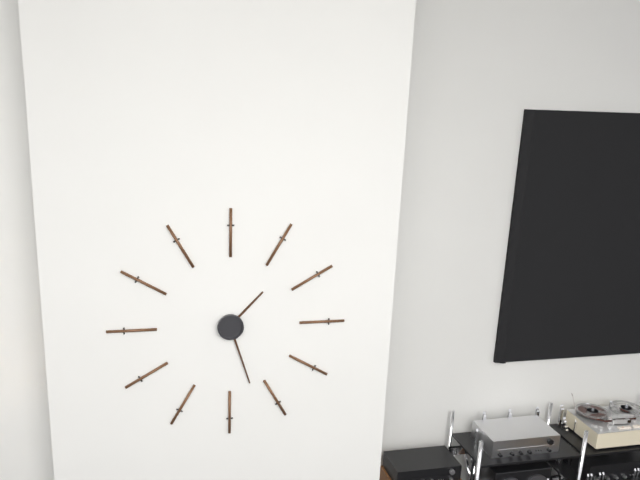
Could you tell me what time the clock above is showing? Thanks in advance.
1:27
